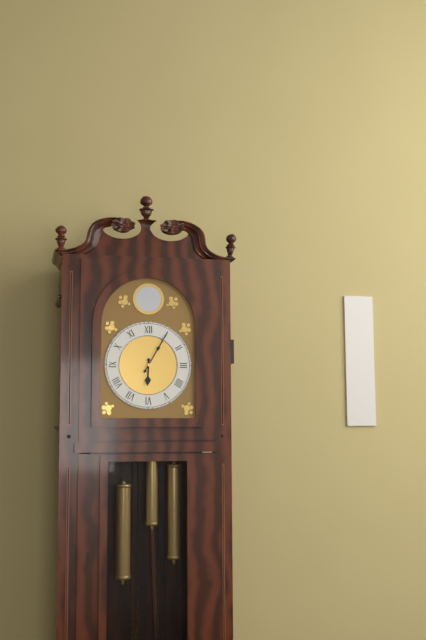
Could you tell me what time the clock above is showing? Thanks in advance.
6:05
